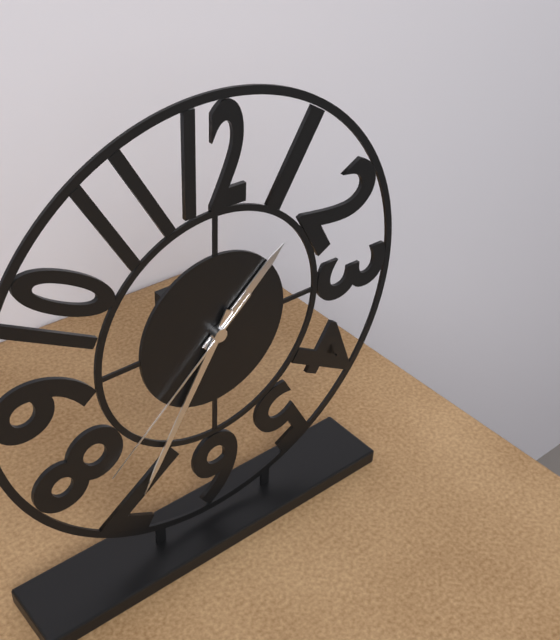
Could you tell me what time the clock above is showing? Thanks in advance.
1:35:38
